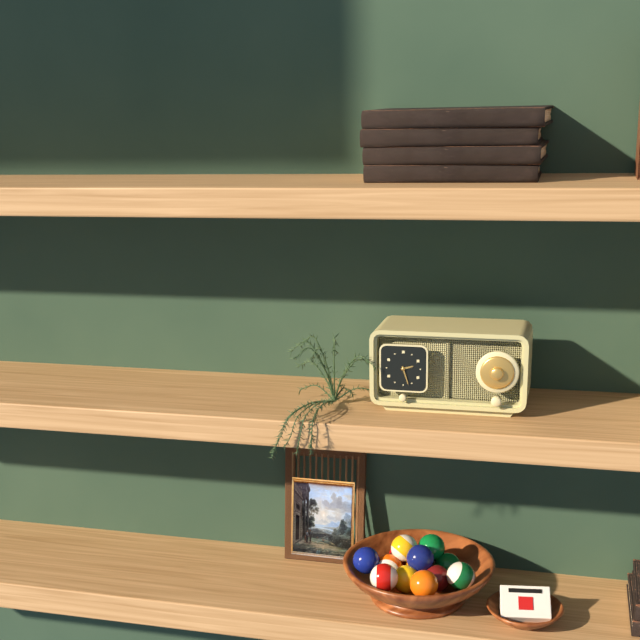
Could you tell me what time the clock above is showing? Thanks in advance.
2:27
